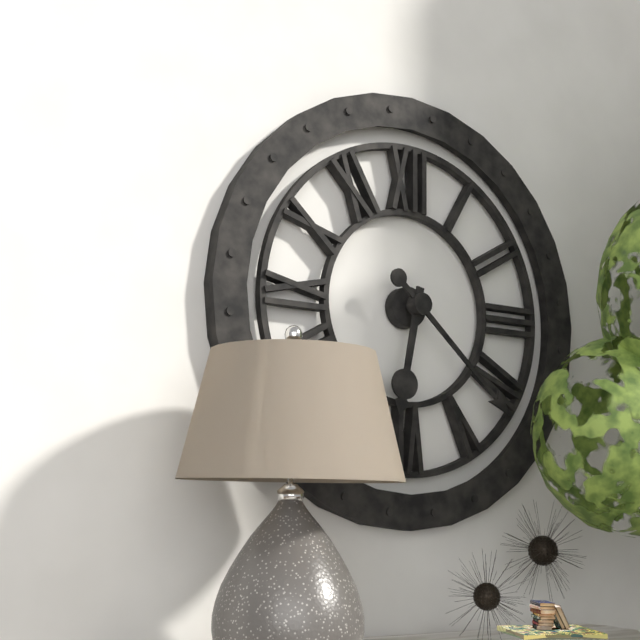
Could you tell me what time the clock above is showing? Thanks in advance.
6:22
